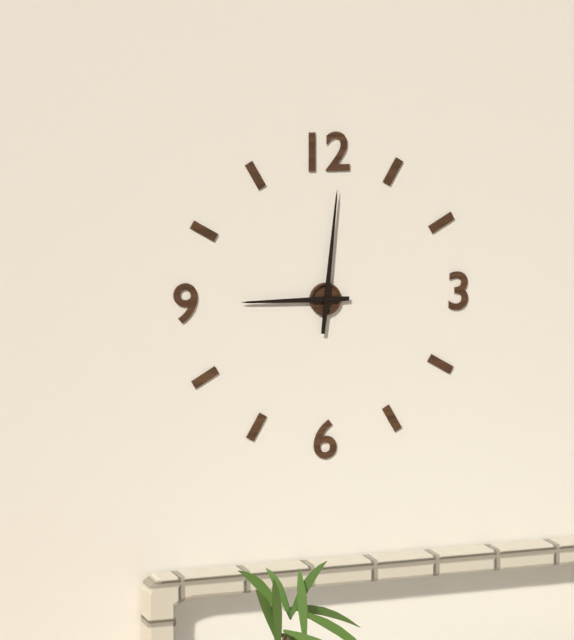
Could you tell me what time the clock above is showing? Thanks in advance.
9:01
